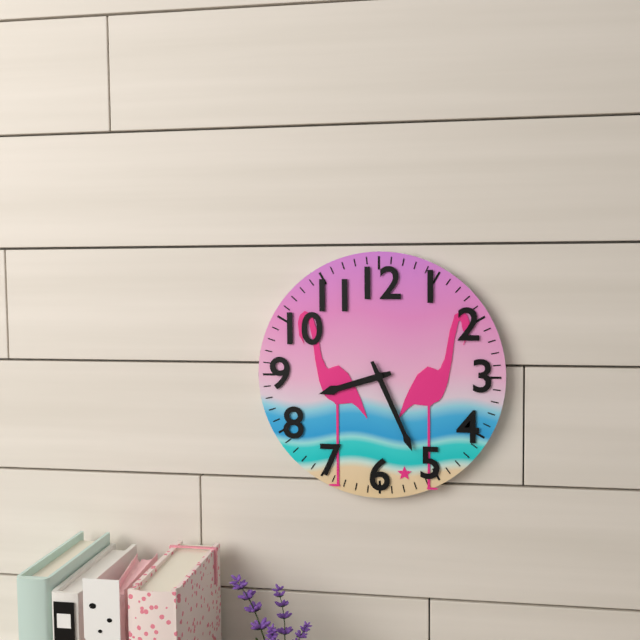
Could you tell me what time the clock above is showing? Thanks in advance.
8:26
